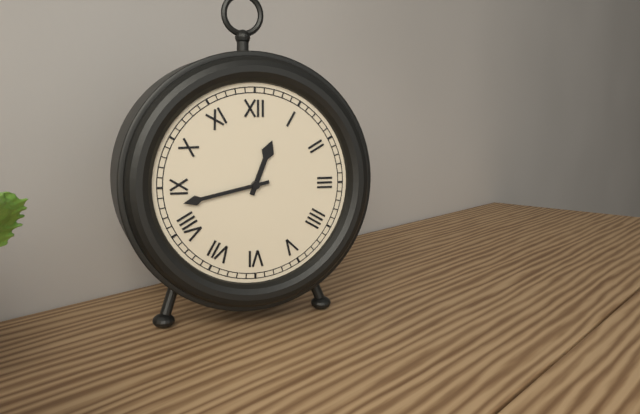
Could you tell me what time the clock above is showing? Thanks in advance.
12:43
